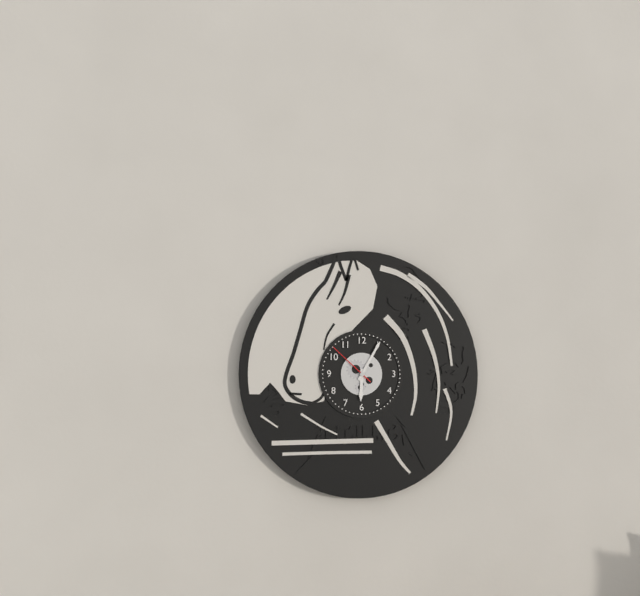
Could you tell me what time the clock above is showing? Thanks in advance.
6:05:52
